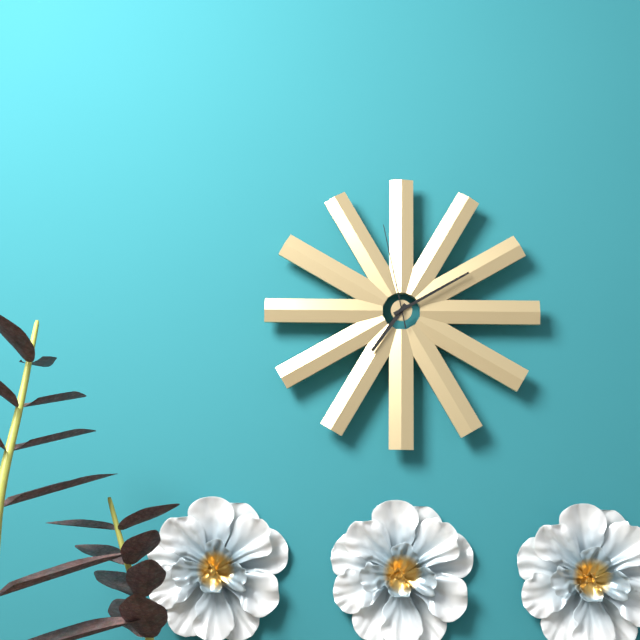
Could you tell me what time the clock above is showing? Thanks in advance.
7:10:58
